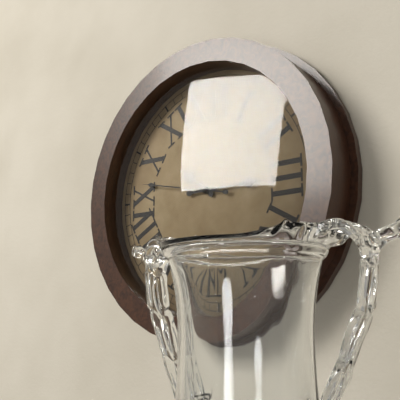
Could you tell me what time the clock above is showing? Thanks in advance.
10:15:47
